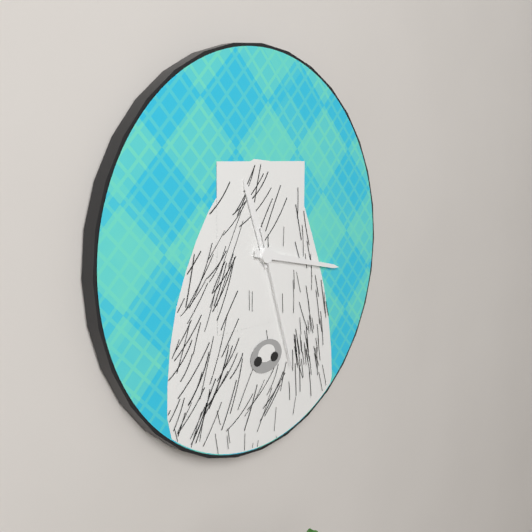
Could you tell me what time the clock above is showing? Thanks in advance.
11:17:27
